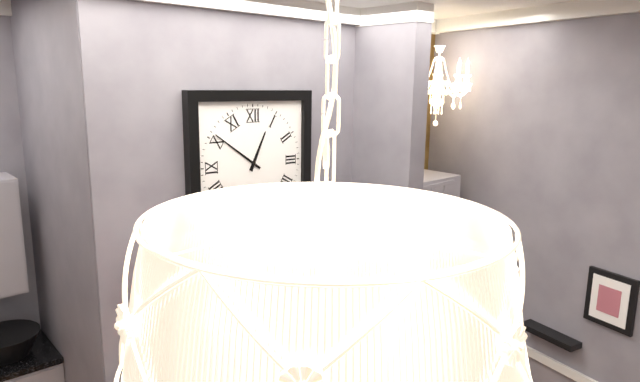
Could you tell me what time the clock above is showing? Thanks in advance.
12:51
